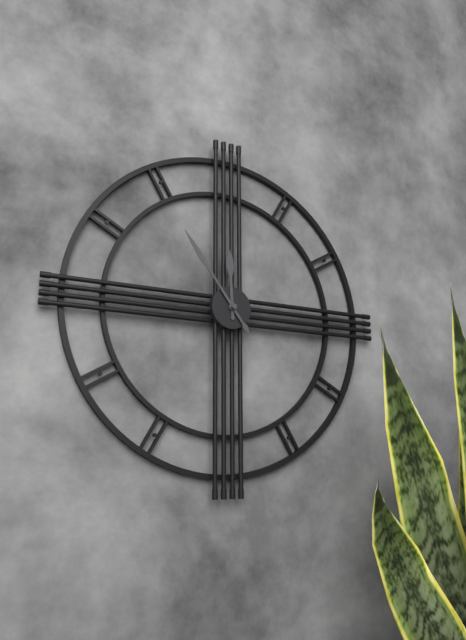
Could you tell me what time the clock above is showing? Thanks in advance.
11:54
